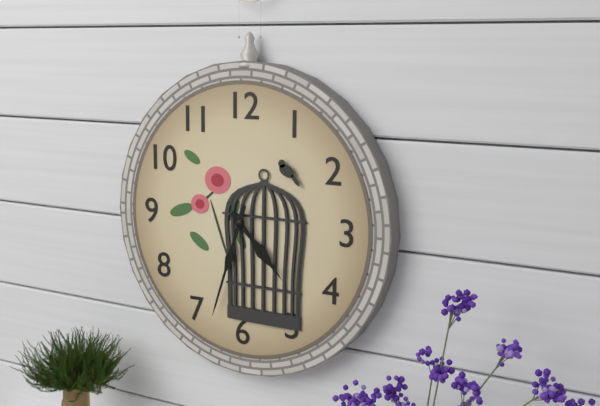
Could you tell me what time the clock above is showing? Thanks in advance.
4:33
